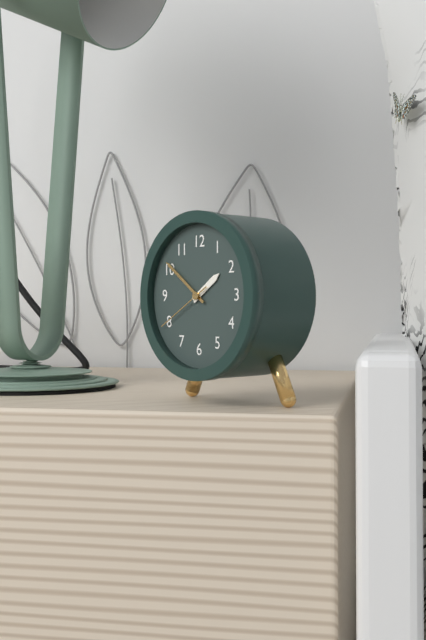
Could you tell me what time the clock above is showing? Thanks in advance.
1:51:40
